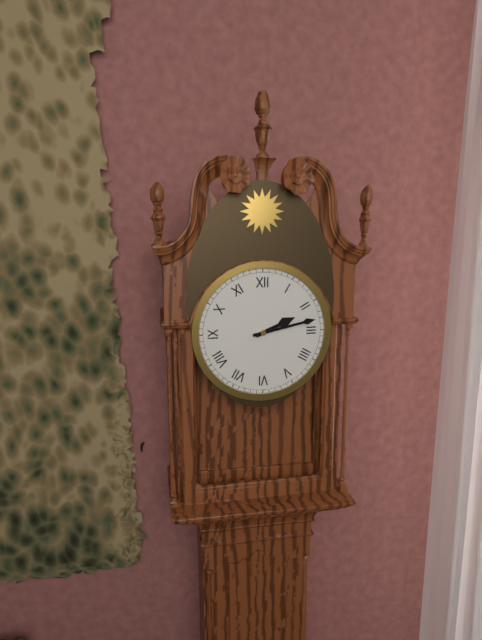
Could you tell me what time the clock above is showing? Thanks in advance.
2:13
